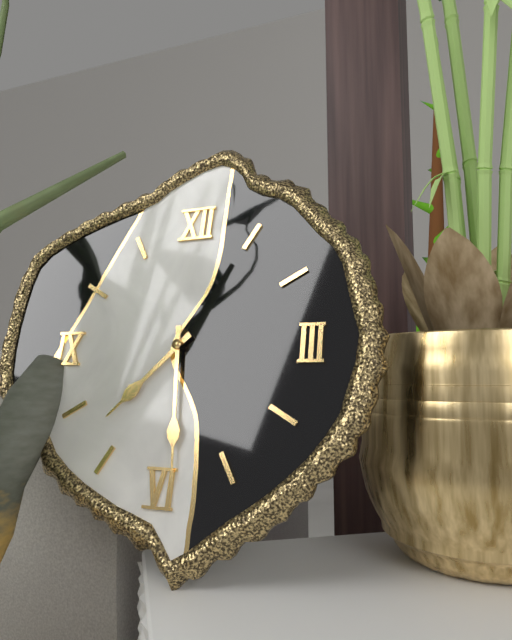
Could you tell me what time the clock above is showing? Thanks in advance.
7:29
